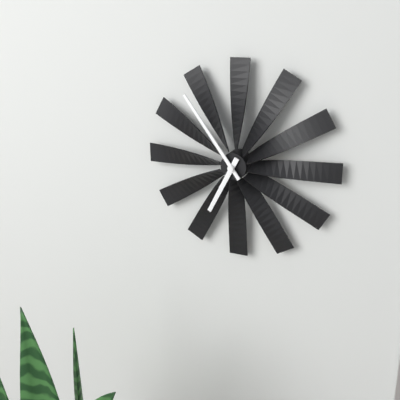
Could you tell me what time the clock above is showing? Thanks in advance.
6:54
